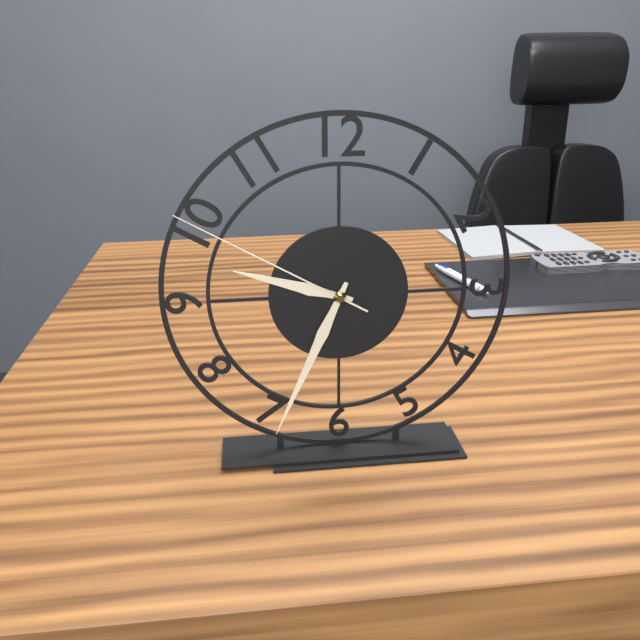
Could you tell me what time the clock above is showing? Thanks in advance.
9:34:50
